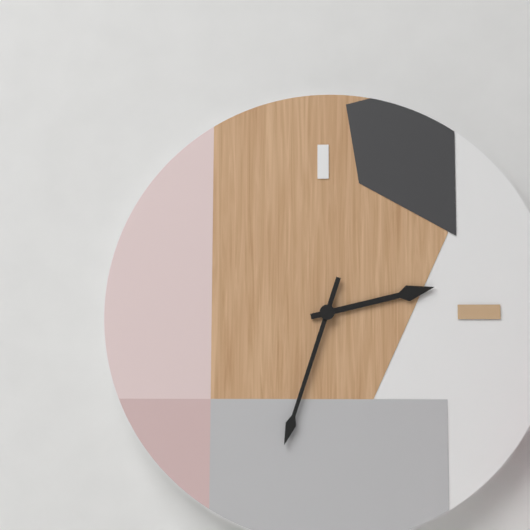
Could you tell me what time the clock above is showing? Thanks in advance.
2:33
